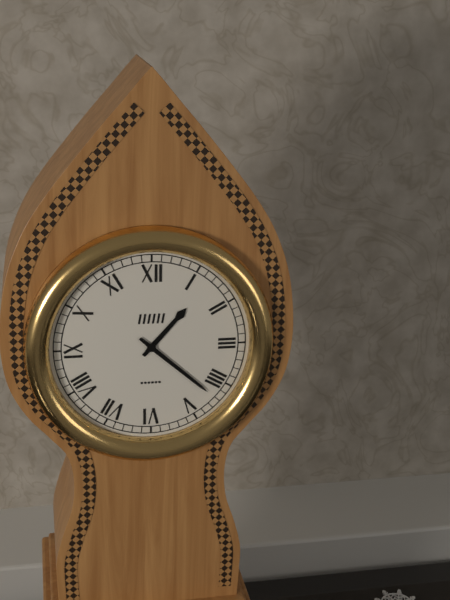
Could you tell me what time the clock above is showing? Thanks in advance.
1:22
